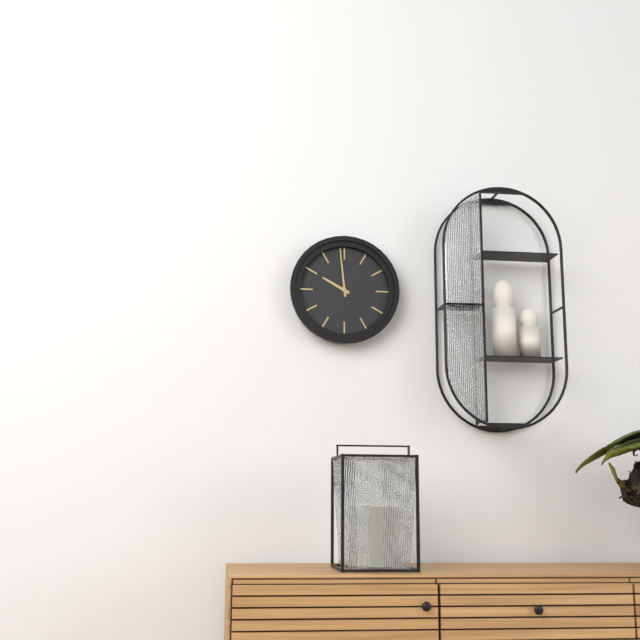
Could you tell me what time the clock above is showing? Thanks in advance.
9:59
